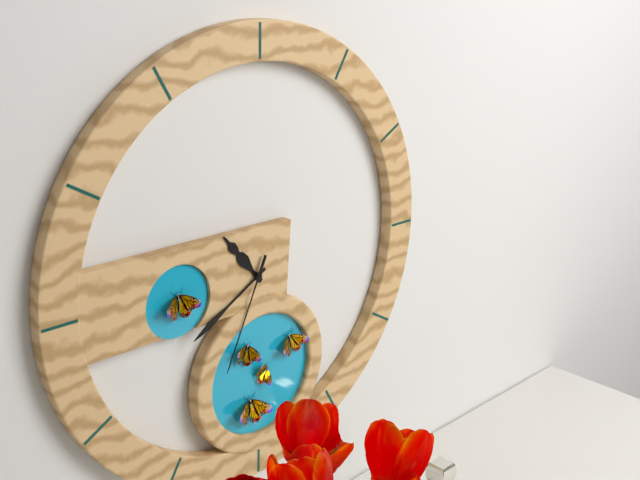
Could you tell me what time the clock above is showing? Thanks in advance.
10:40:34
